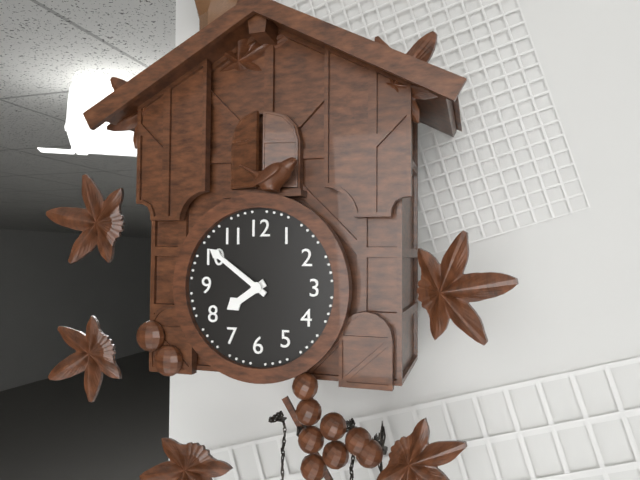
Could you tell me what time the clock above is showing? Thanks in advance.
7:51
